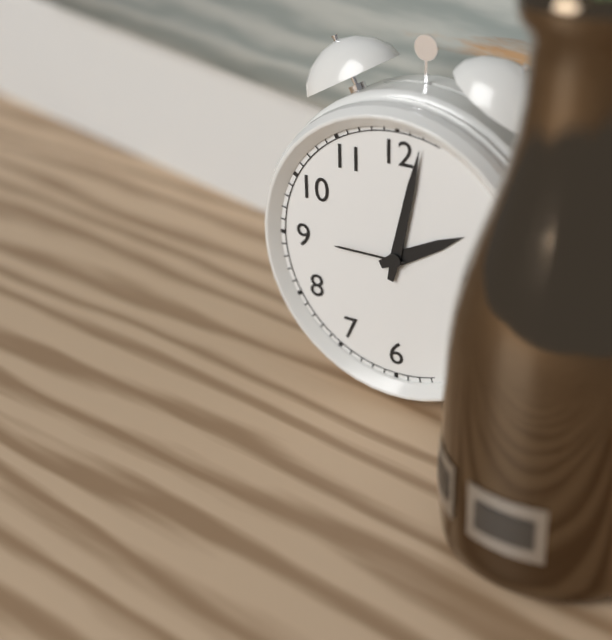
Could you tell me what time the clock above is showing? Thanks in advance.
2:02
